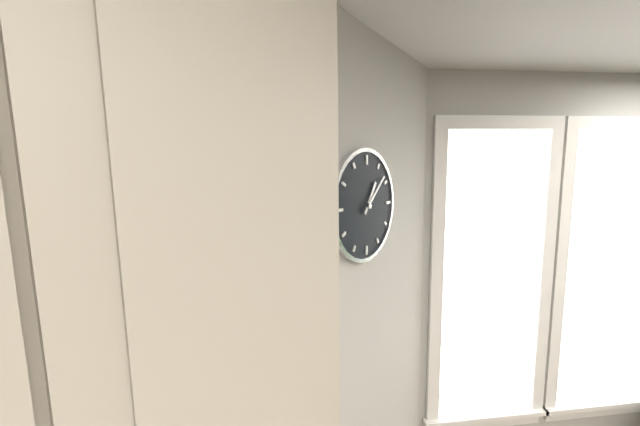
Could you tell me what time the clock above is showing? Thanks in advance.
1:08
